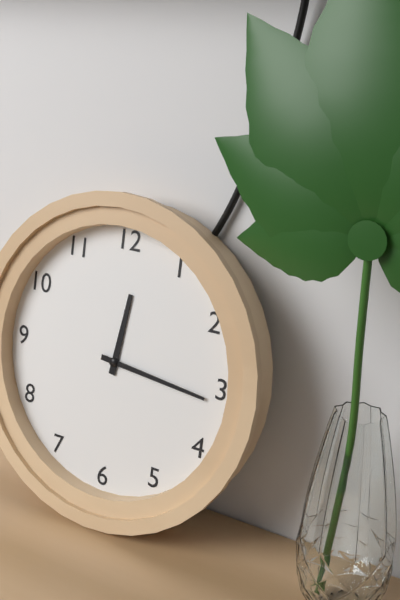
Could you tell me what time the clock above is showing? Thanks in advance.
12:16
